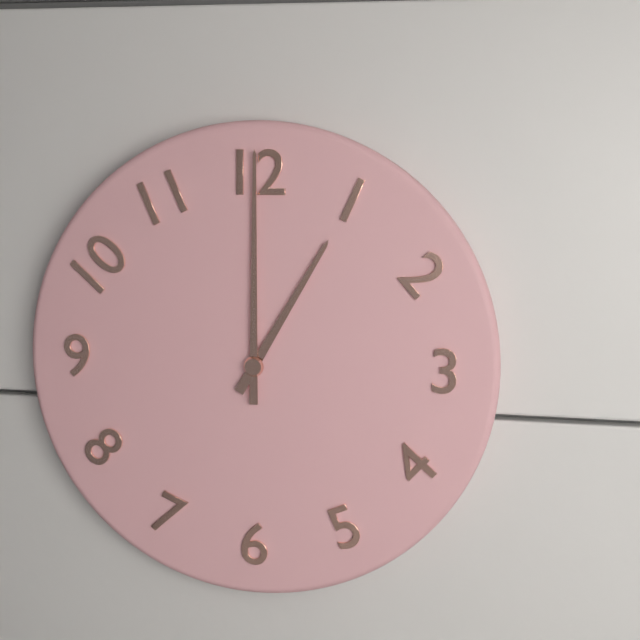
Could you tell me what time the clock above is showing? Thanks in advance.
1:00
